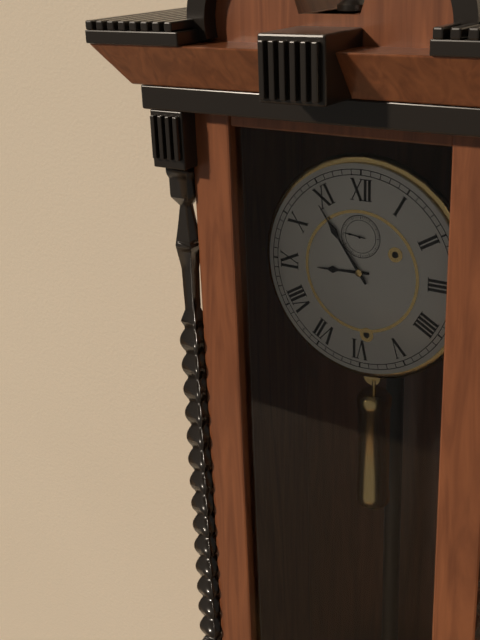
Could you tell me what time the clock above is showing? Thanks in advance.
8:54
